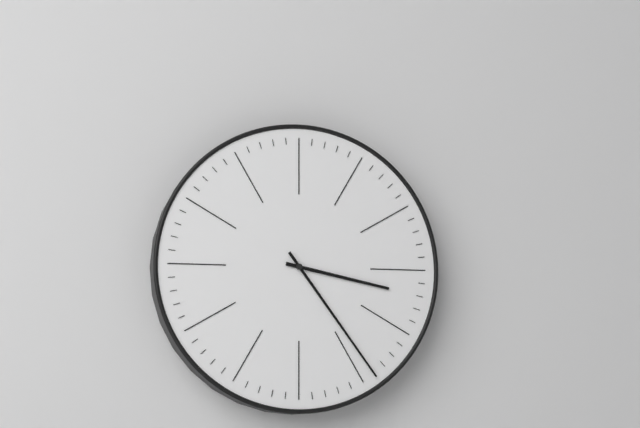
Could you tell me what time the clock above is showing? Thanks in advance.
3:24
